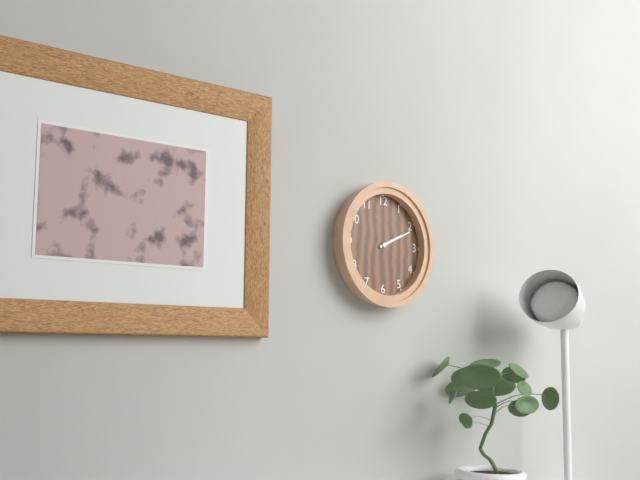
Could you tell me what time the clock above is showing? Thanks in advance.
2:11
